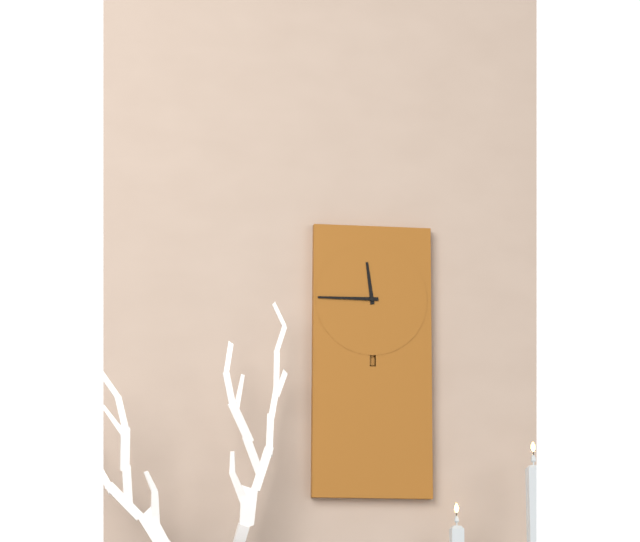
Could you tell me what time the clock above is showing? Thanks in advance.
11:45
